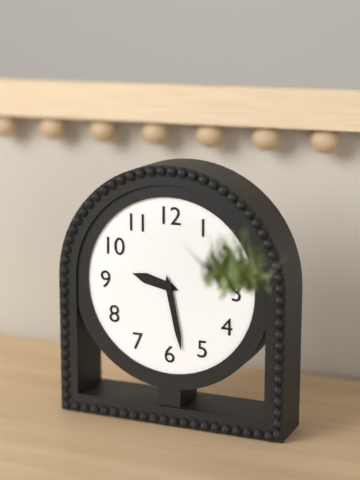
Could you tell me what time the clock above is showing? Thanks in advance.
9:28
